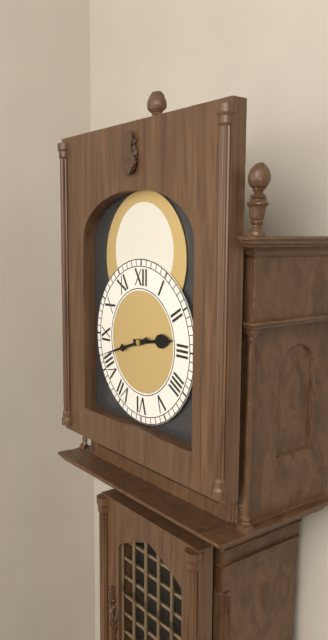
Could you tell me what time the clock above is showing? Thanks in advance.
2:42
